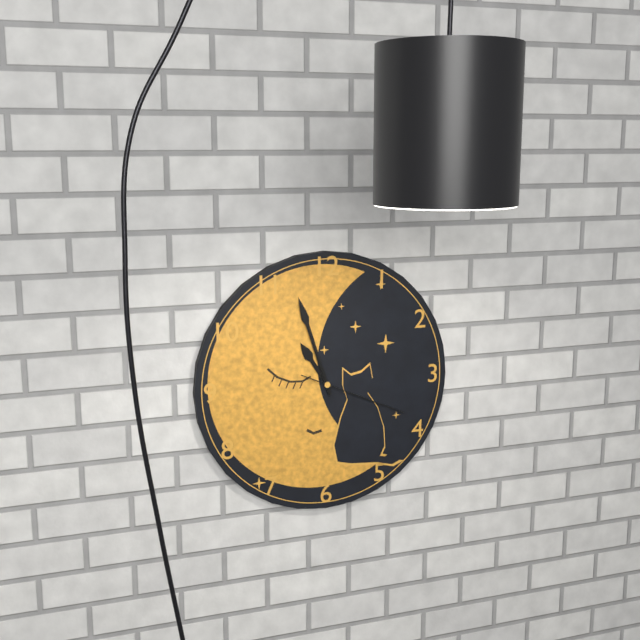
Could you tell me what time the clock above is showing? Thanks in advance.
10:57:19
